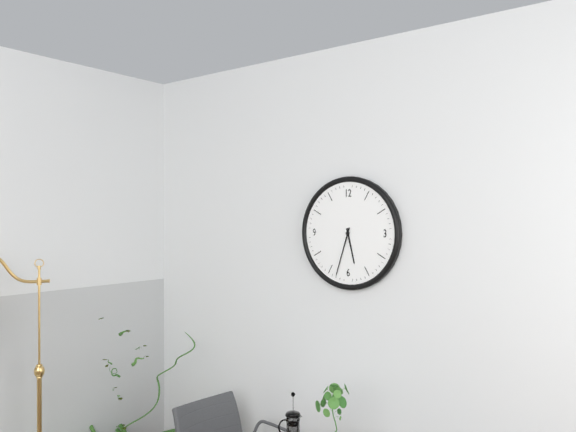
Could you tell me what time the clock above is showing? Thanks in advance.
5:33
